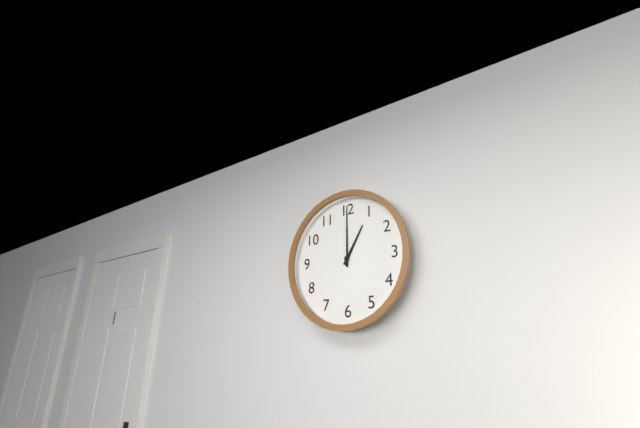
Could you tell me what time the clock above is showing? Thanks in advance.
1:00
